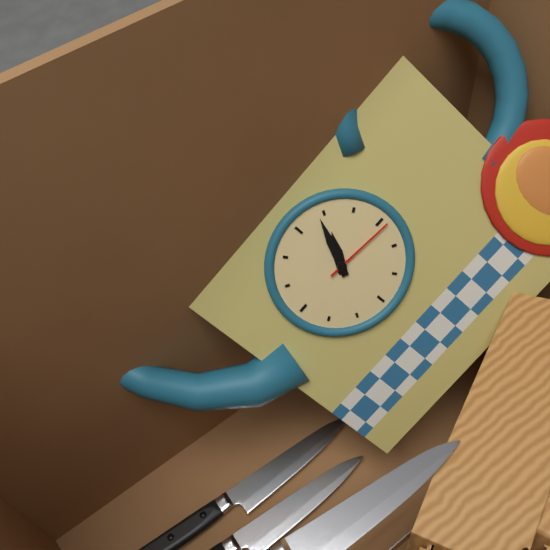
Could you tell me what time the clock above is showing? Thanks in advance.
1:04:16
